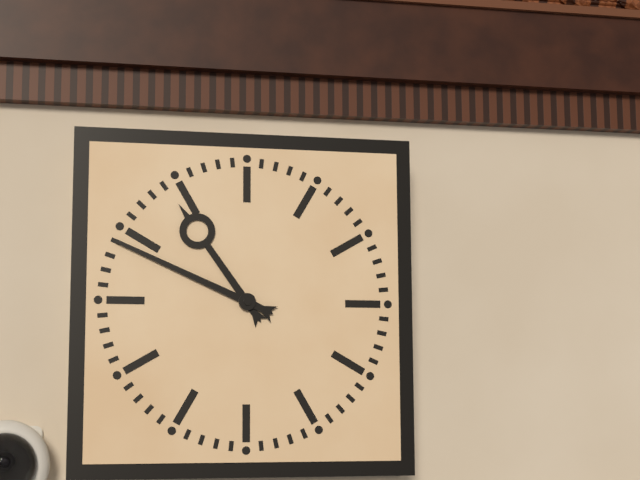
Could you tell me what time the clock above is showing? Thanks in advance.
10:49
